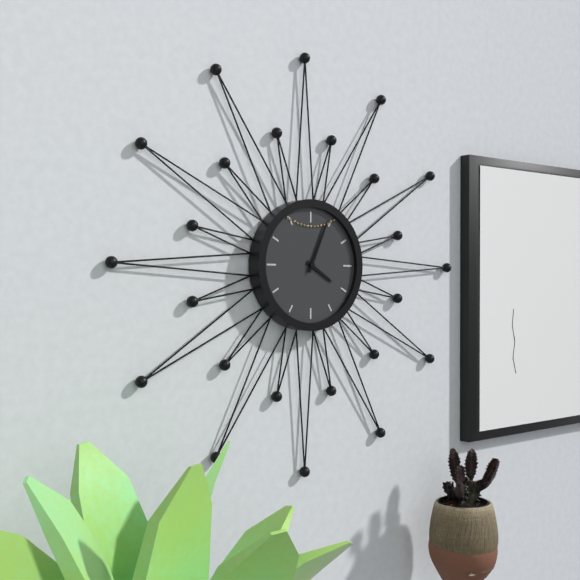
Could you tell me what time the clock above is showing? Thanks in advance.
4:04
